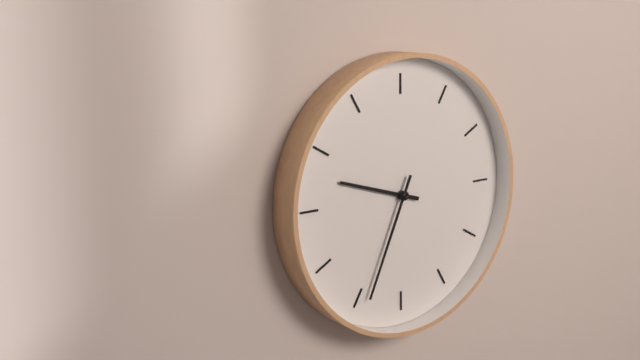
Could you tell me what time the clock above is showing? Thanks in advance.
9:34
